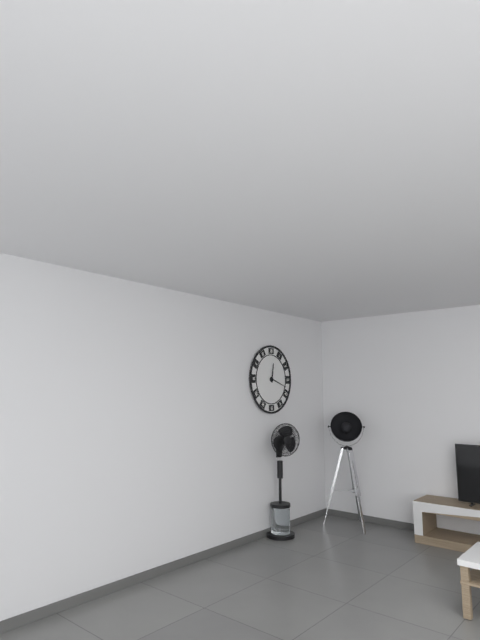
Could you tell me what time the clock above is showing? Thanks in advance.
12:18
